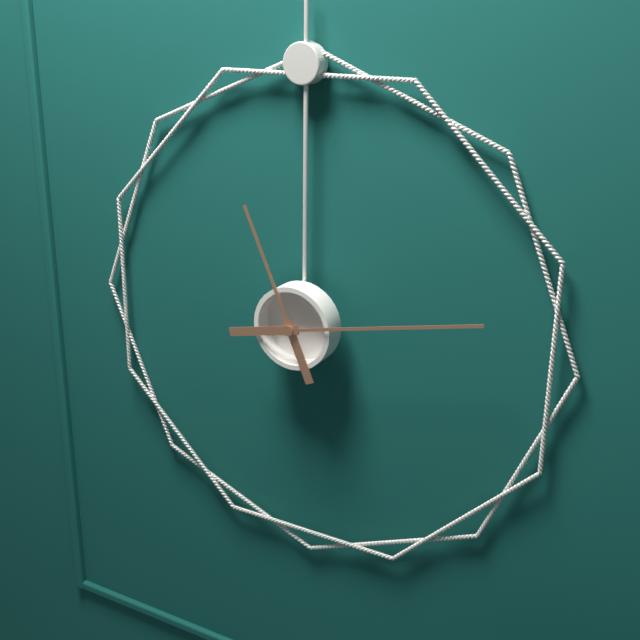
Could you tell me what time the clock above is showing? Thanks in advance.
11:13
